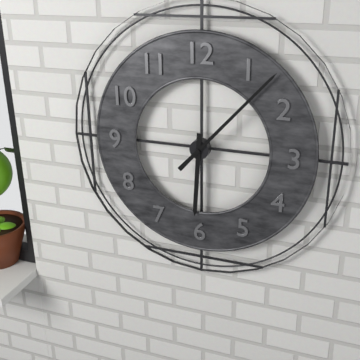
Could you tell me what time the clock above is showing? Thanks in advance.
6:07
